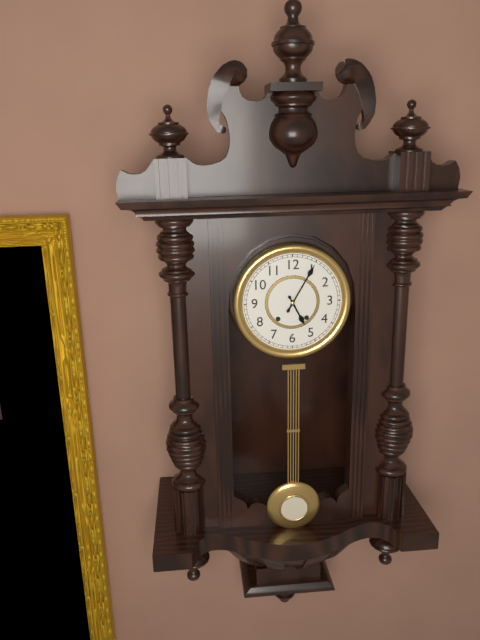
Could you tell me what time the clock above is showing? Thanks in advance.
5:05
